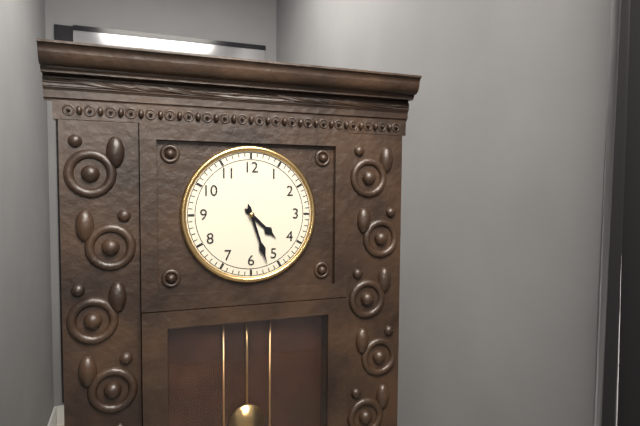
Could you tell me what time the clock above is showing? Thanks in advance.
4:27
